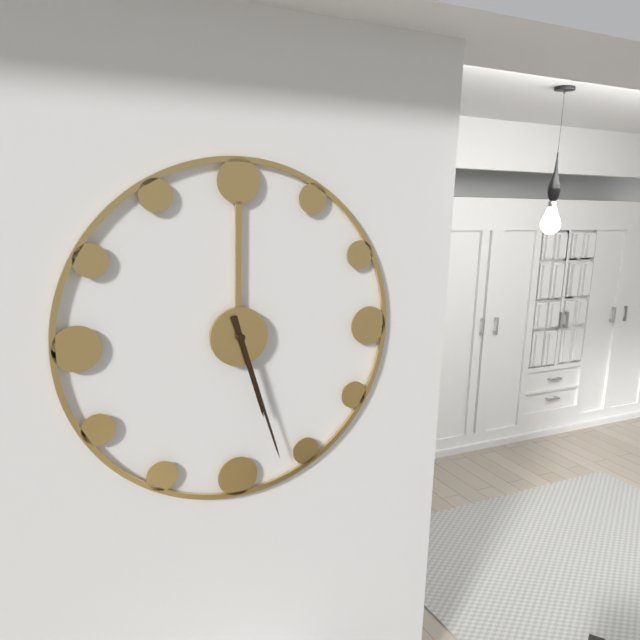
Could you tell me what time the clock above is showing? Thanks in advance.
5:27
